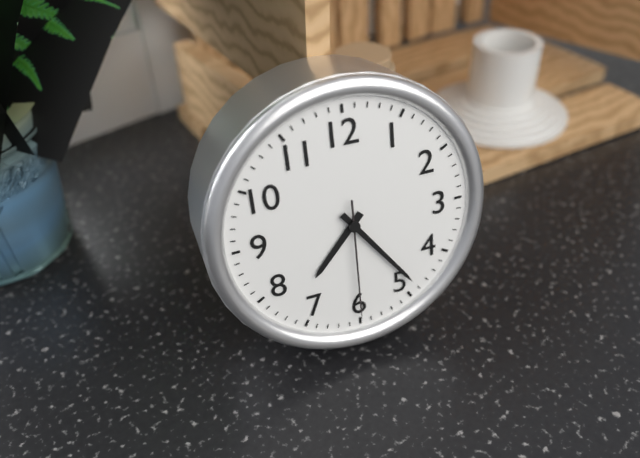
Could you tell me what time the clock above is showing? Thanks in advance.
7:24:30
